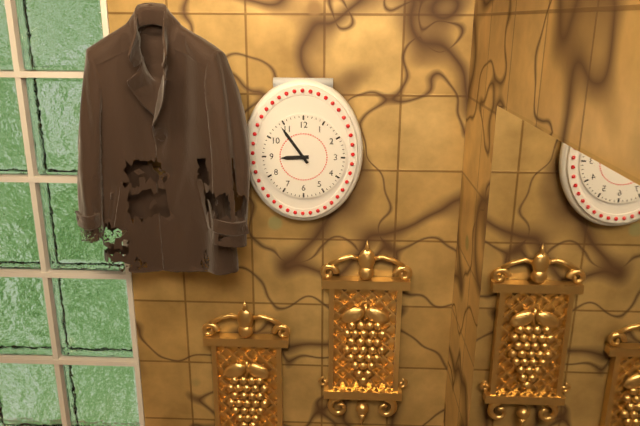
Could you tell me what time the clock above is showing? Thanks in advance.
8:54
